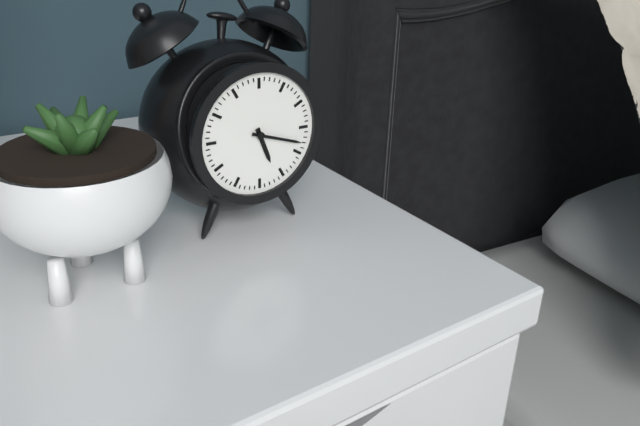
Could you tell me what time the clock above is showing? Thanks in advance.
5:18
